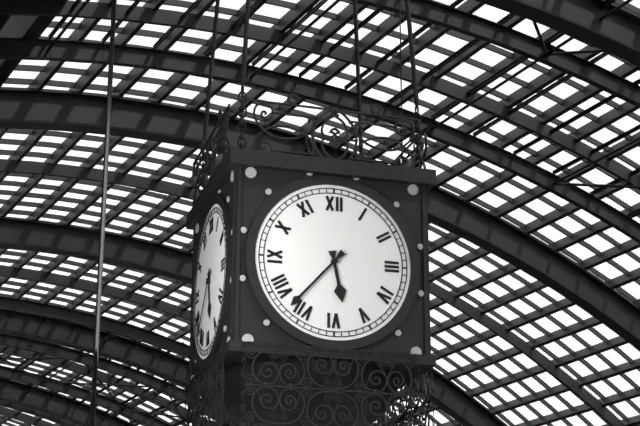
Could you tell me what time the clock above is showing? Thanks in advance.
5:37
